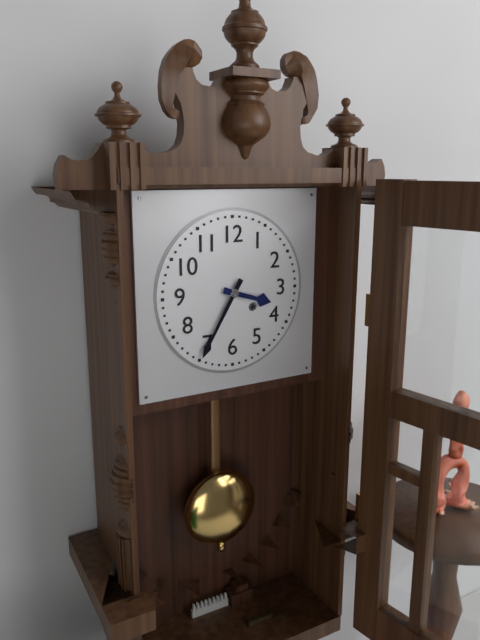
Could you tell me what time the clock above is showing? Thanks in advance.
3:35
